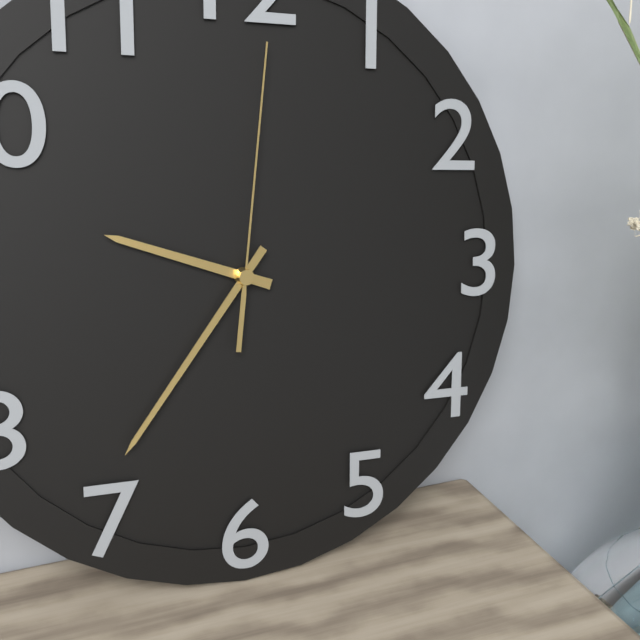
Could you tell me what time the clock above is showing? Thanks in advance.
9:36:01
